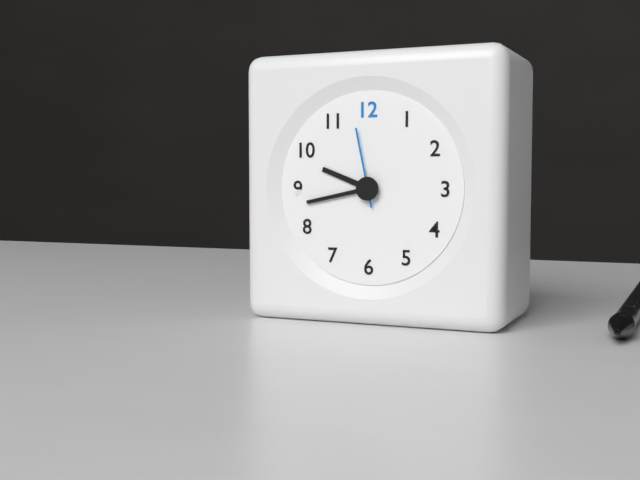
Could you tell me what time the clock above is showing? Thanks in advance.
9:43:58
